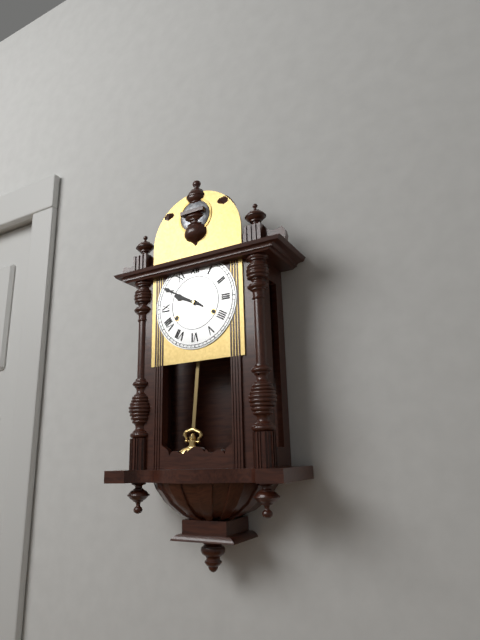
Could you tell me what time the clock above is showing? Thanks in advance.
9:50
